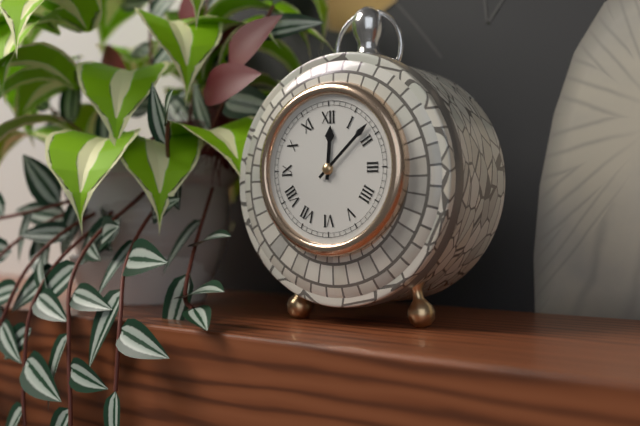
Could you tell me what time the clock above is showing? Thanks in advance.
12:08
